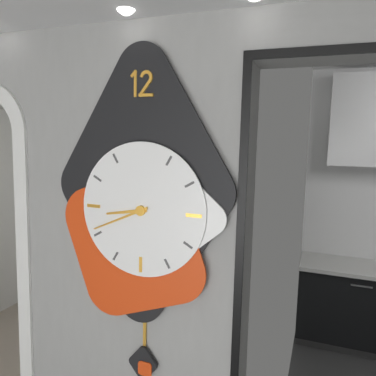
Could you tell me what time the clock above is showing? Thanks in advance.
8:41
